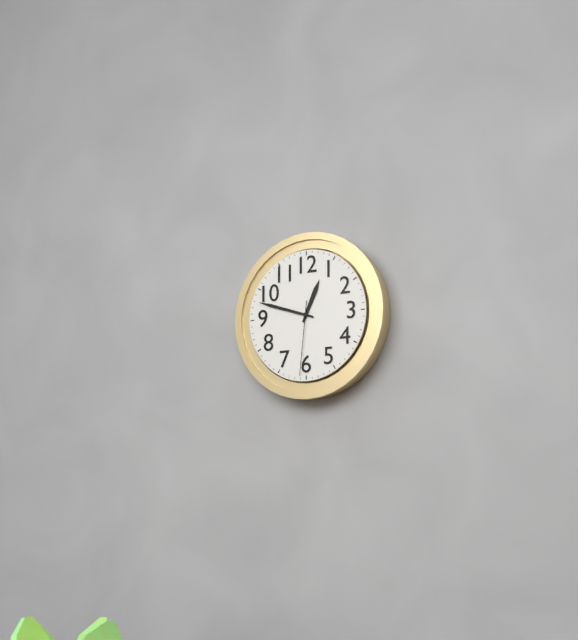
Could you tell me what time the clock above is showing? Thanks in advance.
12:48:31
